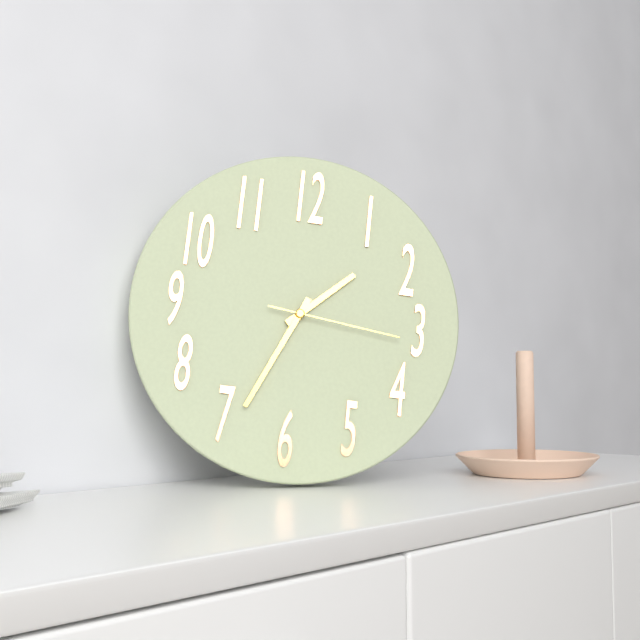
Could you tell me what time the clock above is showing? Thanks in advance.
1:34:16
